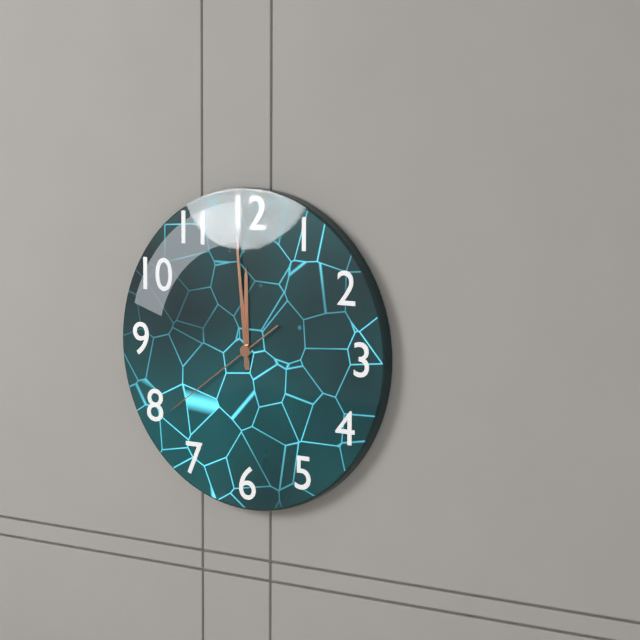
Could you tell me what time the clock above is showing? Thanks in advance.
11:59:39
